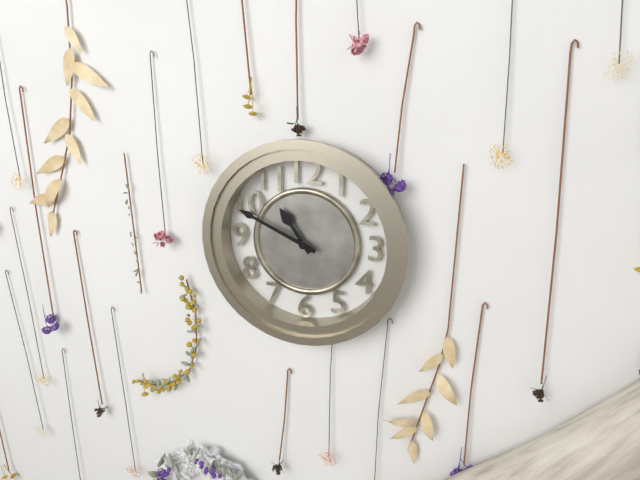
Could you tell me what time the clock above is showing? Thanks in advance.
10:49
